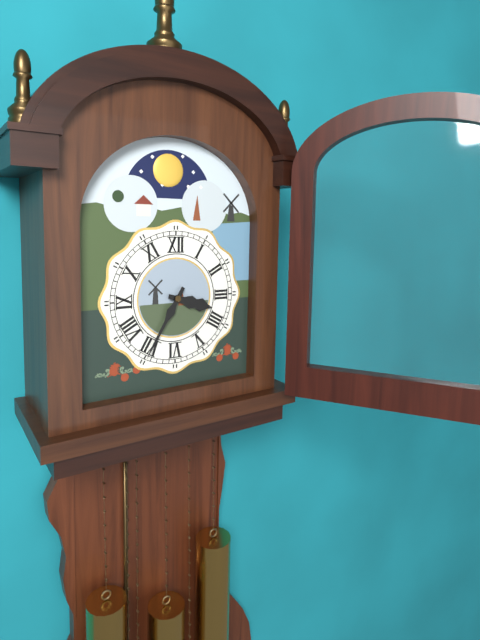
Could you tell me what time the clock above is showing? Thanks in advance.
3:35
